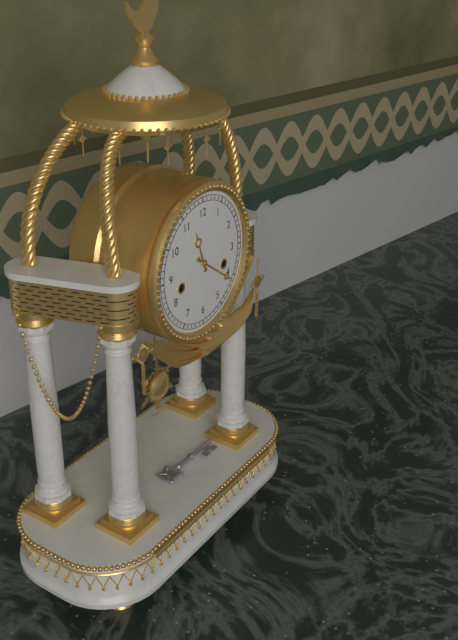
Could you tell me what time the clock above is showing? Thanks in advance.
11:21
